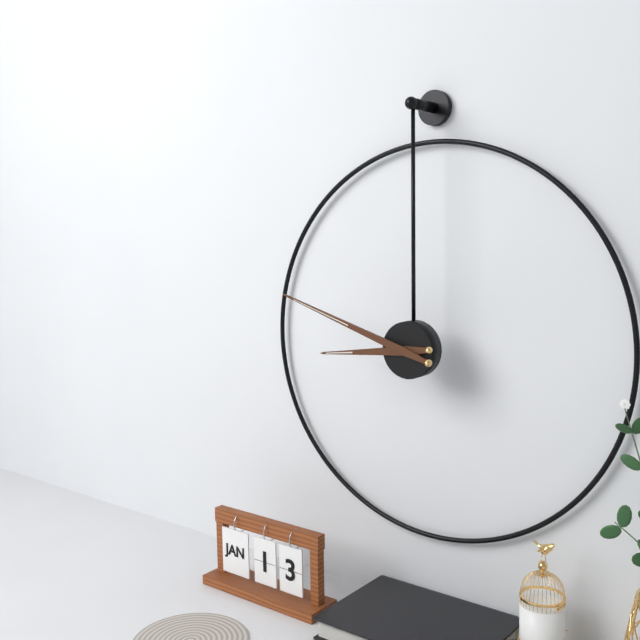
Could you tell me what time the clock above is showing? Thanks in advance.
8:48
